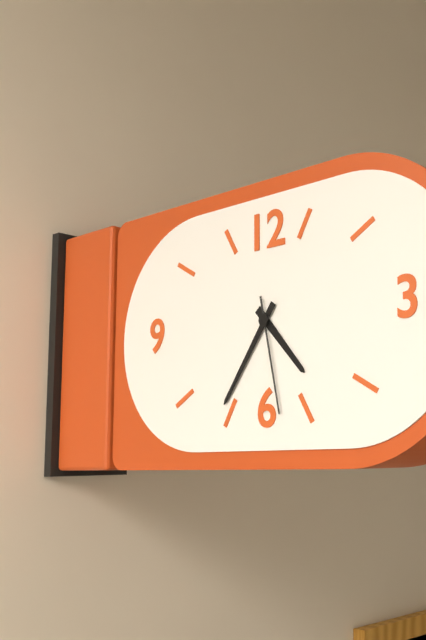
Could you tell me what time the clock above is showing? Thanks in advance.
4:36:28
